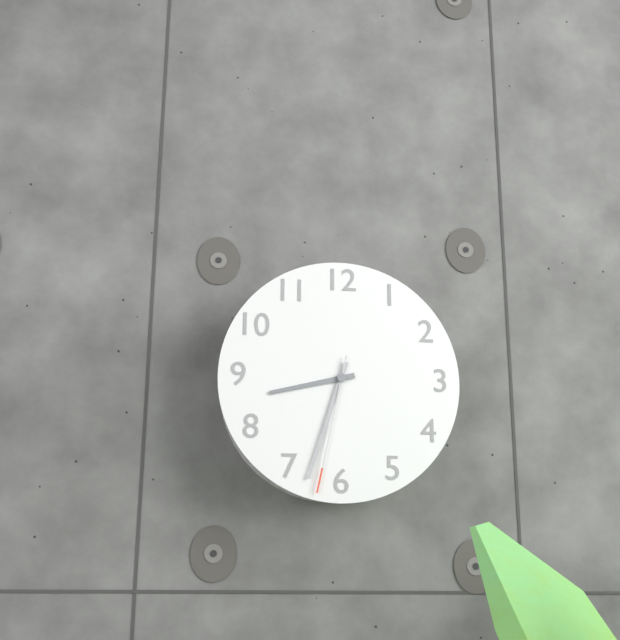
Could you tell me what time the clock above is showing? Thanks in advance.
8:33:32
